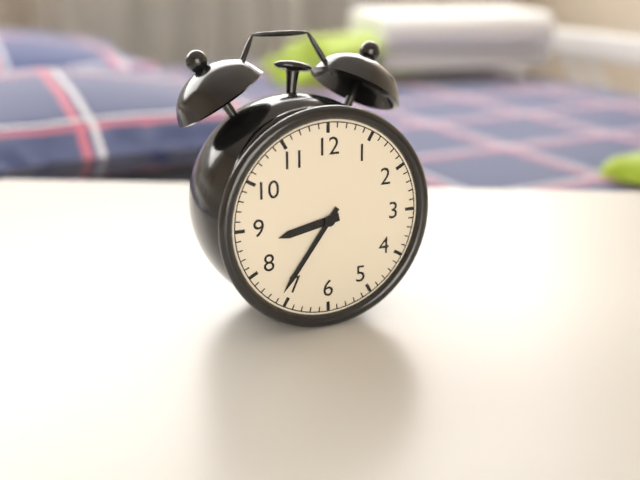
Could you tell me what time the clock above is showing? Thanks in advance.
8:36
